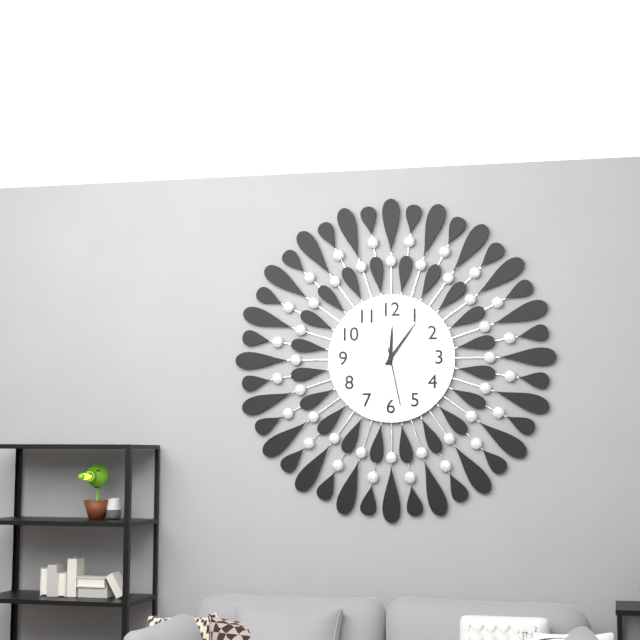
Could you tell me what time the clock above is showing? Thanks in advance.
12:06:28
